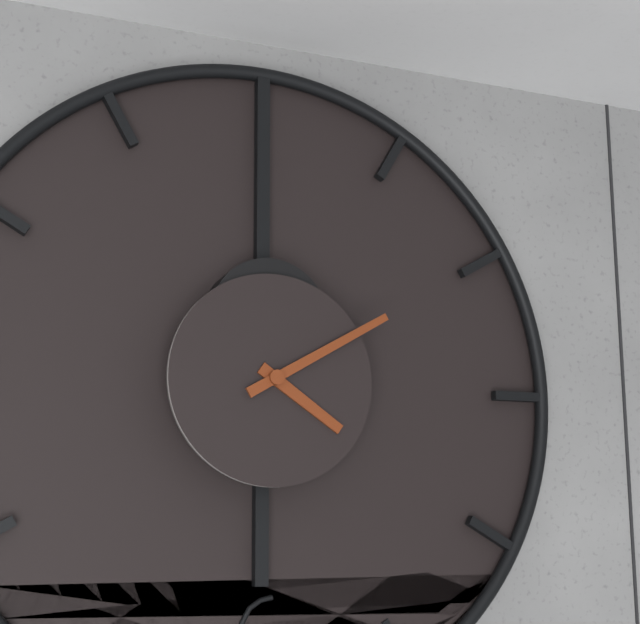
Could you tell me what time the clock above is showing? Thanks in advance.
4:10
